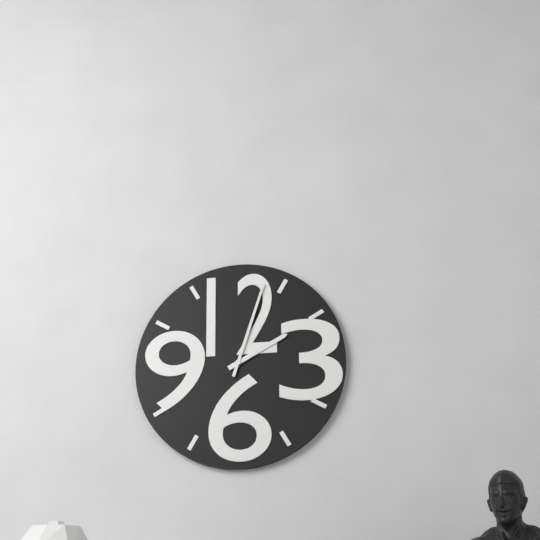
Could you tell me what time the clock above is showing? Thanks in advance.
2:03
